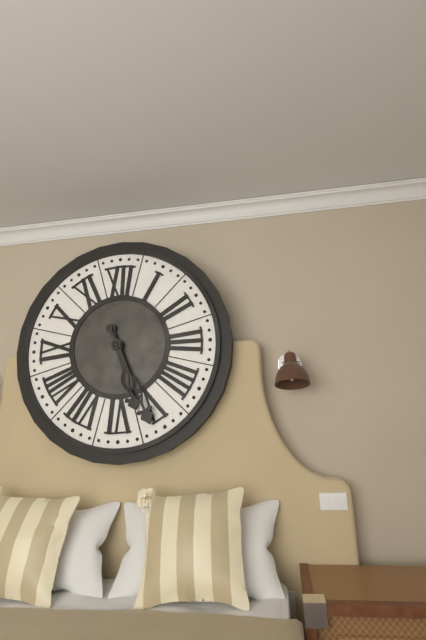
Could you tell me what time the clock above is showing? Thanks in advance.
5:26
